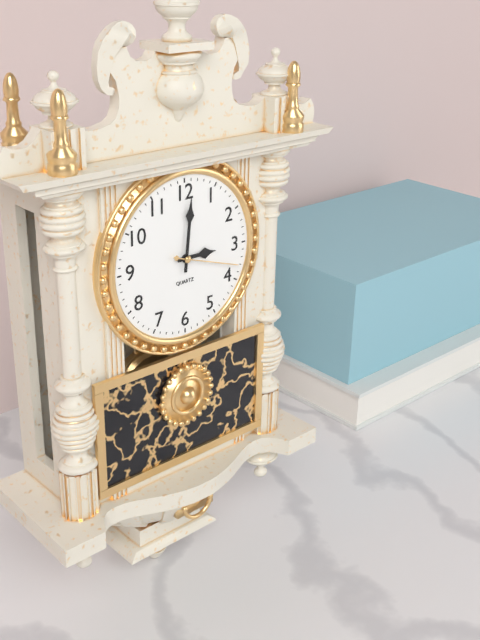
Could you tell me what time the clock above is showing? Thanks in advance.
3:01:18
